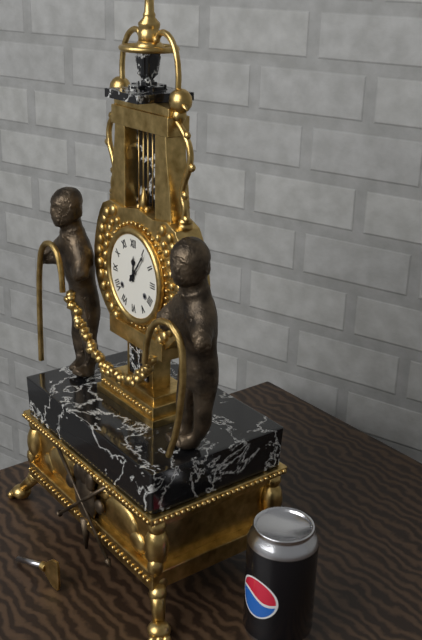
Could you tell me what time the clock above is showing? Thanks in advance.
12:06
